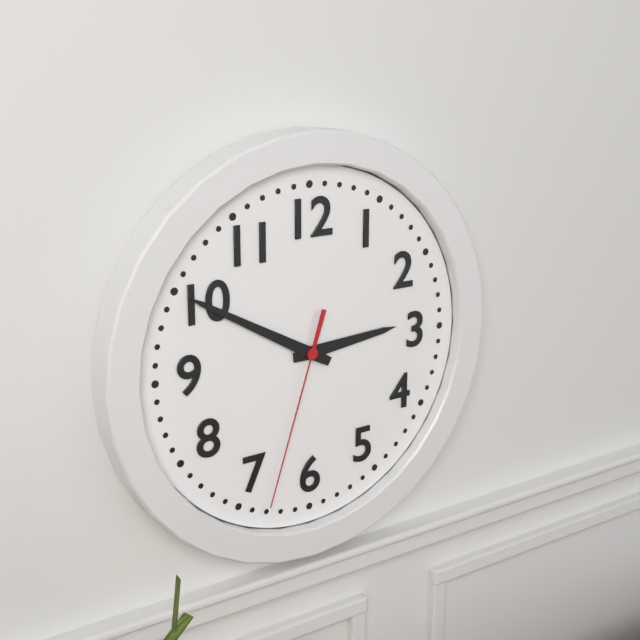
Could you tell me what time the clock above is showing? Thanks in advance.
2:50:33
